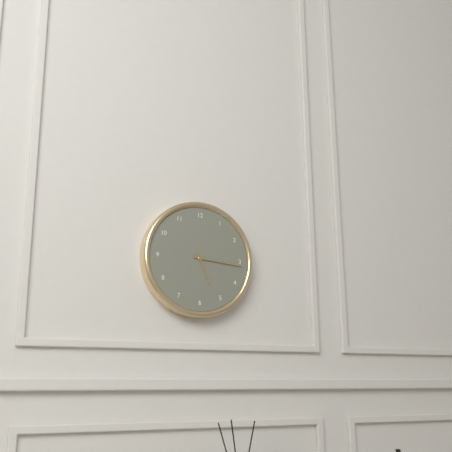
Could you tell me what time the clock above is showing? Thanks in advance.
5:16
